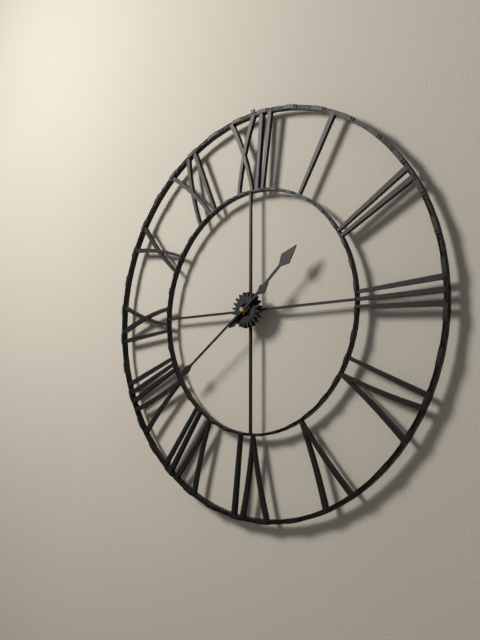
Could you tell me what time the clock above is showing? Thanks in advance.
1:39
